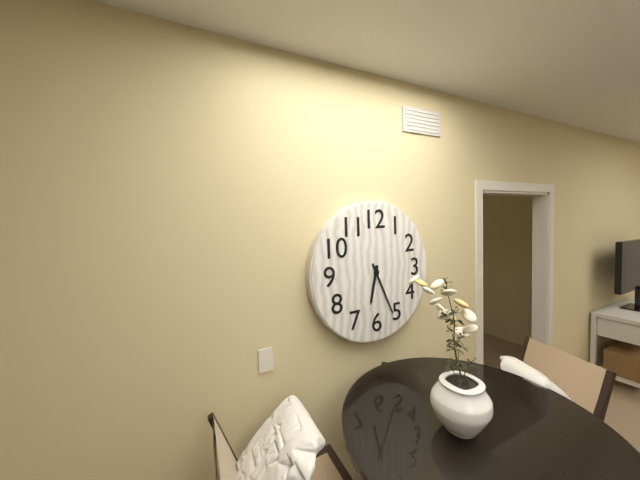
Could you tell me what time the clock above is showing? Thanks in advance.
6:26
